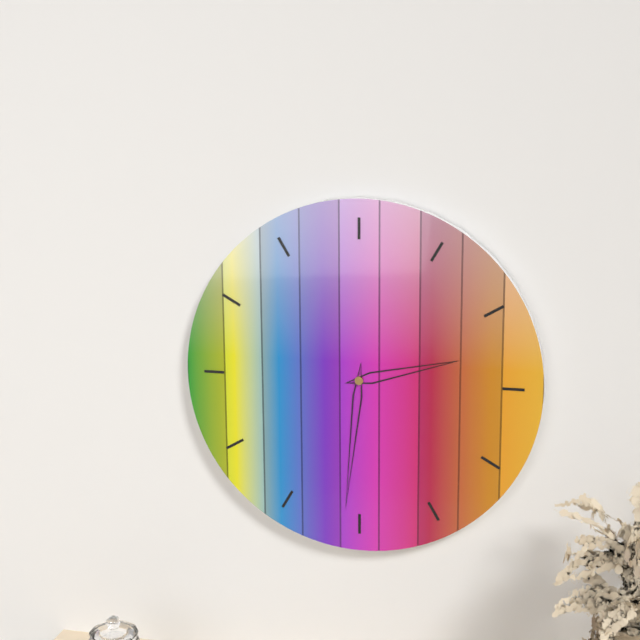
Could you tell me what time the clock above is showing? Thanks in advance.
2:31
